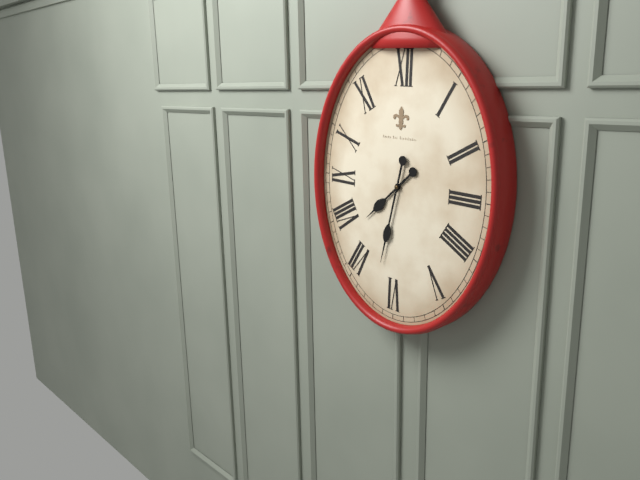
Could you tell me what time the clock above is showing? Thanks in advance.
7:32
